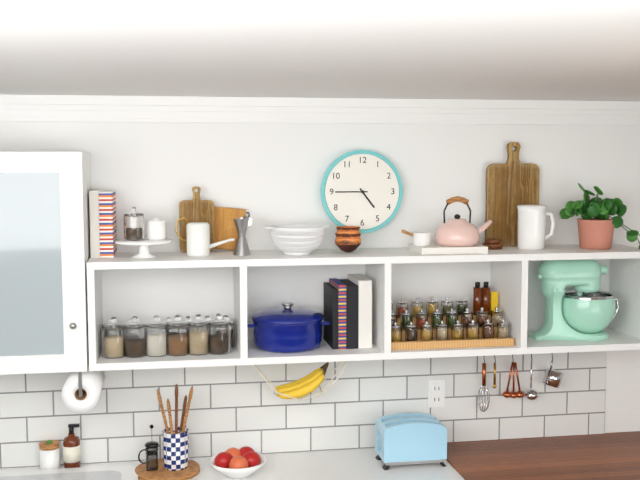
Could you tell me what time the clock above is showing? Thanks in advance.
4:45
